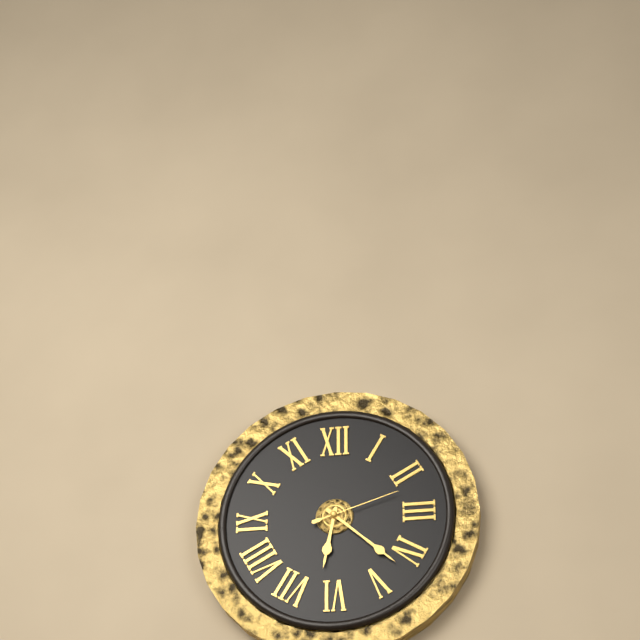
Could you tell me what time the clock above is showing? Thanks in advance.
6:22:12
